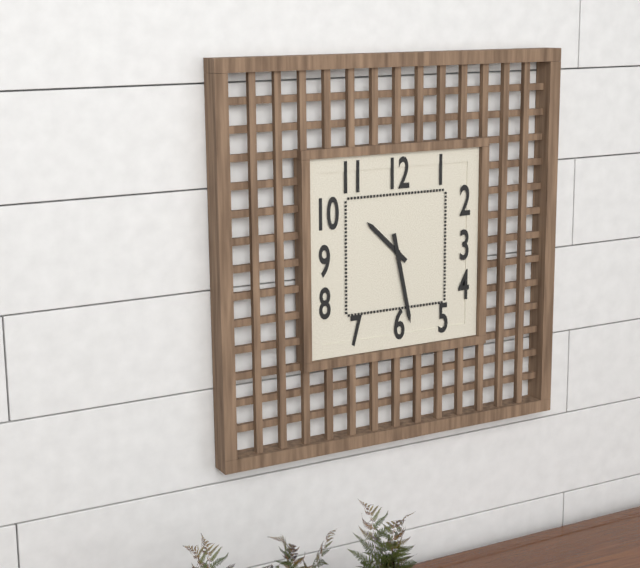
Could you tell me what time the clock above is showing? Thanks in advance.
10:28
